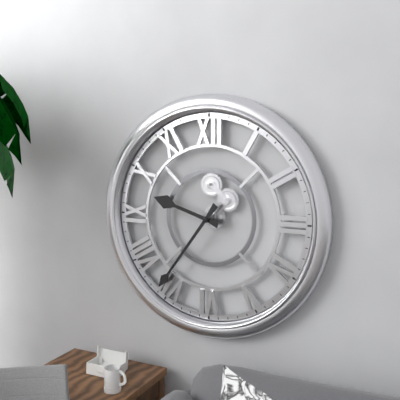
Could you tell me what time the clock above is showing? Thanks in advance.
9:36
